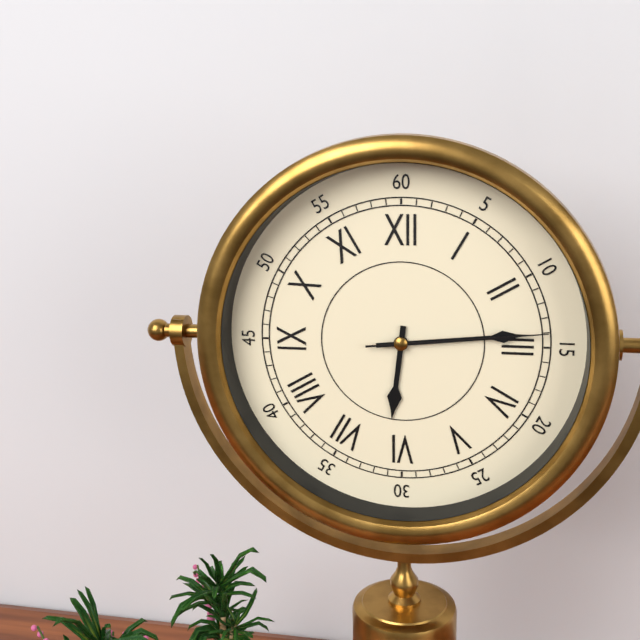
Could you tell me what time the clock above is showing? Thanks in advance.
6:14:14
